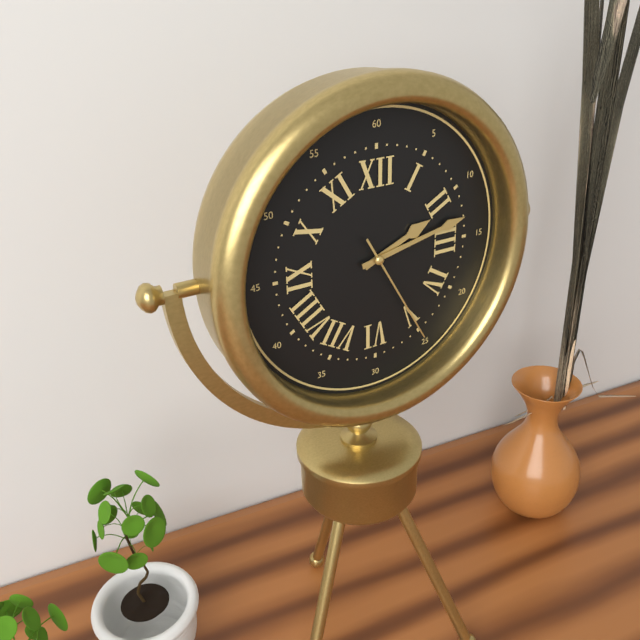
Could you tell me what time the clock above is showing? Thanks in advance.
2:13:25
